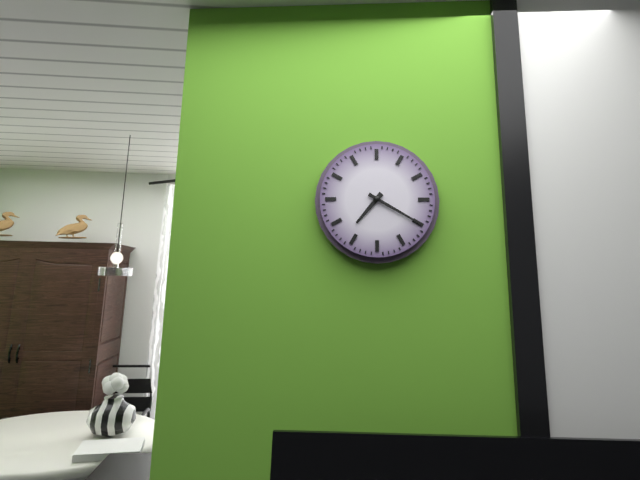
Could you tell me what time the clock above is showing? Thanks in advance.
7:20
